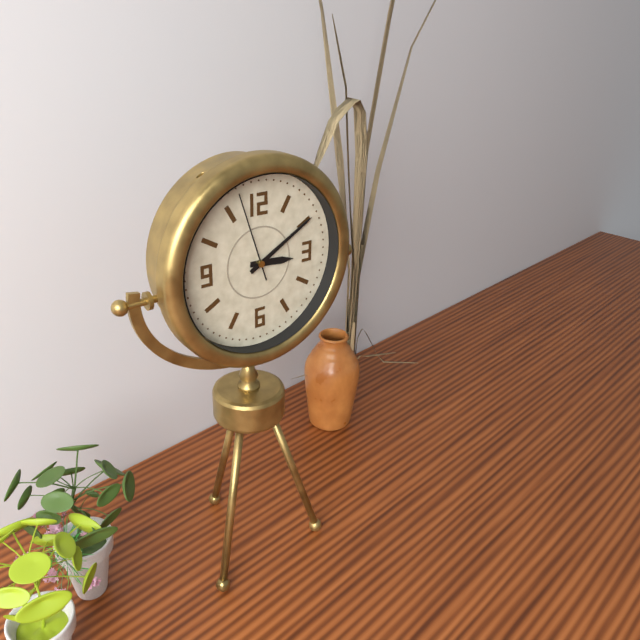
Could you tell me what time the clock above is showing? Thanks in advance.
3:10:57
